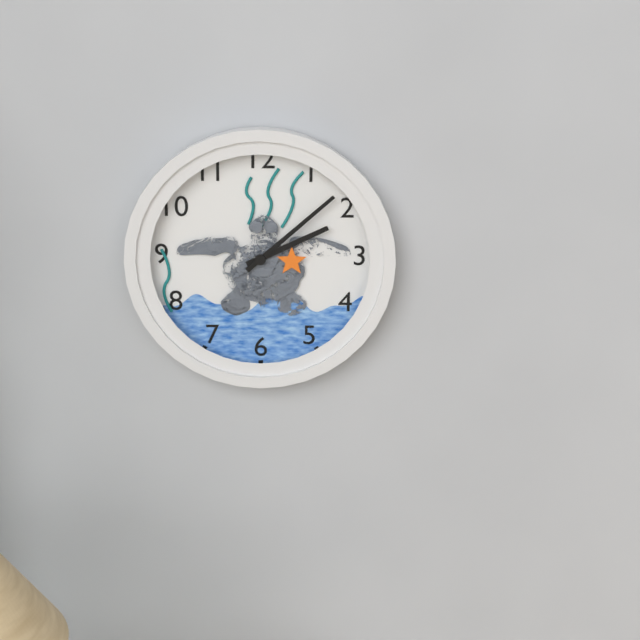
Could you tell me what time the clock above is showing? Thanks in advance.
2:08
